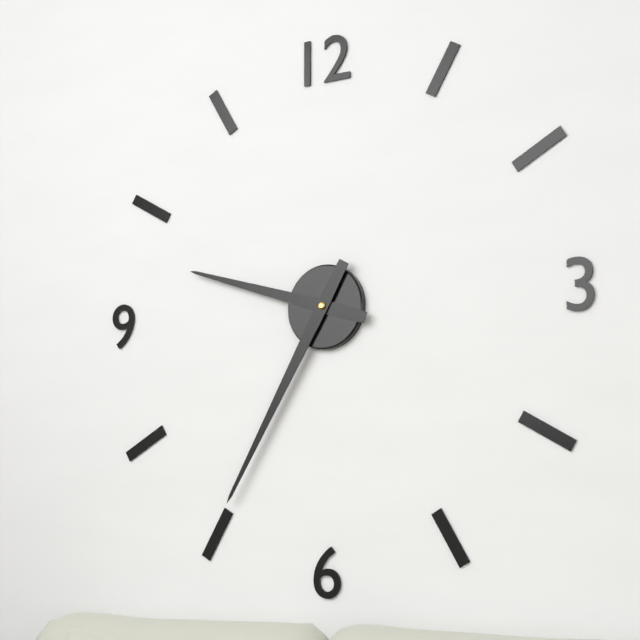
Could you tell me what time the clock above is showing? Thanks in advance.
9:35
